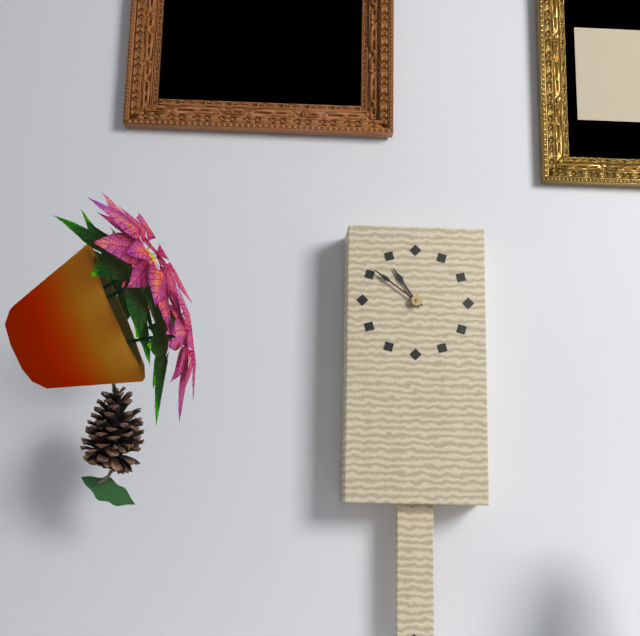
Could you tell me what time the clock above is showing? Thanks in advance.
10:51
